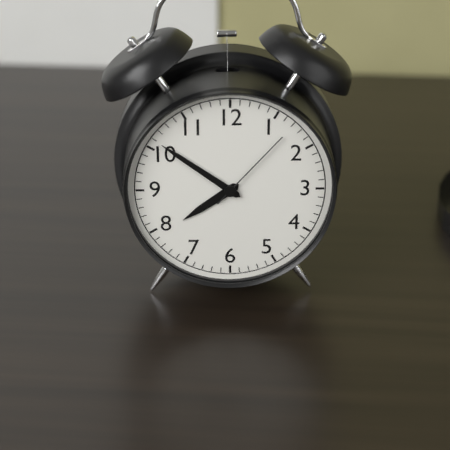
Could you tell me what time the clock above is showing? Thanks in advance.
7:51:07
